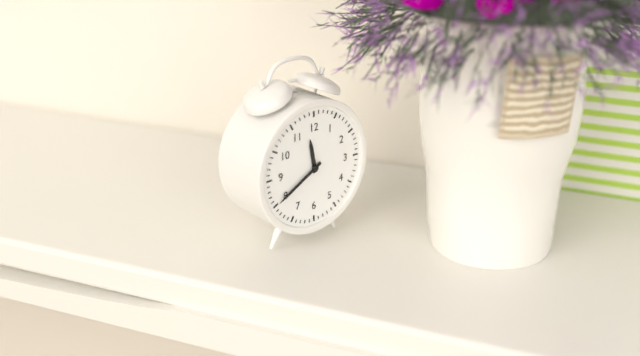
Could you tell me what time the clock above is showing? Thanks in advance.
11:40
